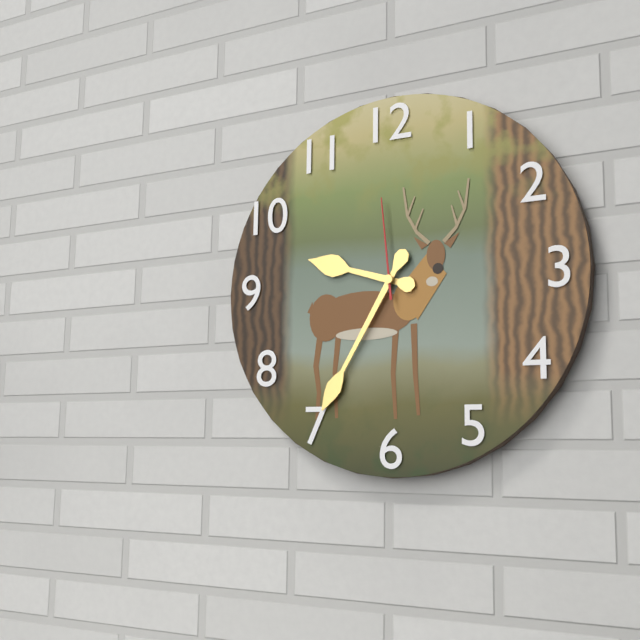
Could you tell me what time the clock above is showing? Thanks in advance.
9:35:59
